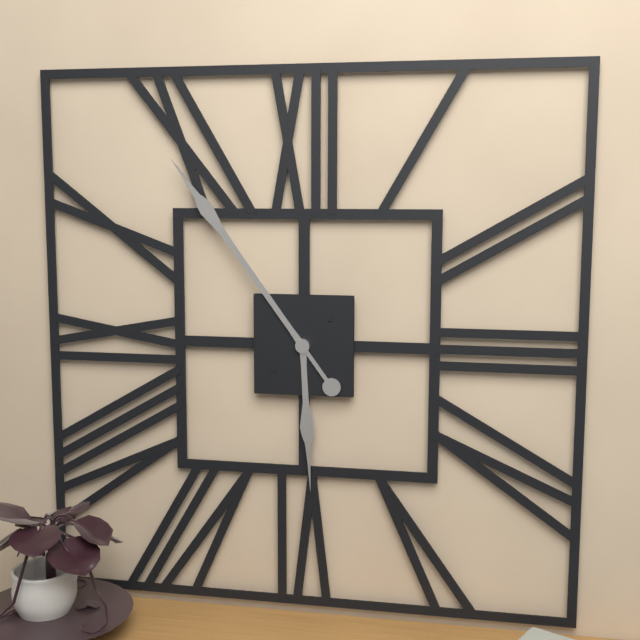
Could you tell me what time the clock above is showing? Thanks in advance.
5:54
